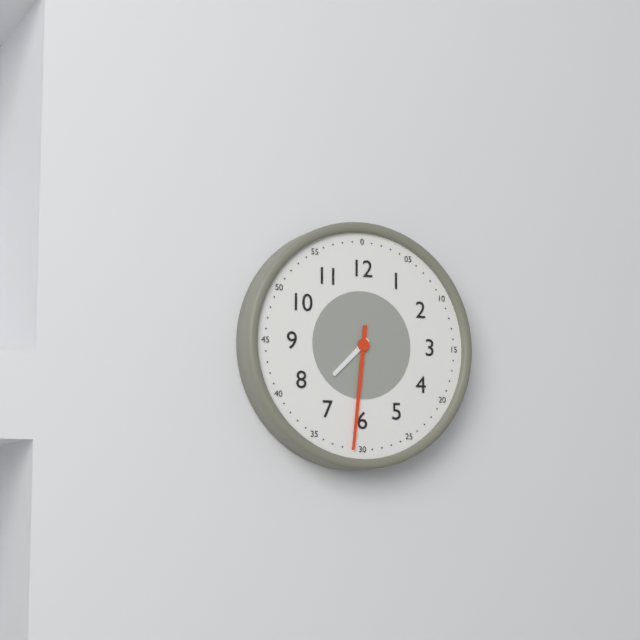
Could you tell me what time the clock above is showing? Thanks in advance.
7:31
